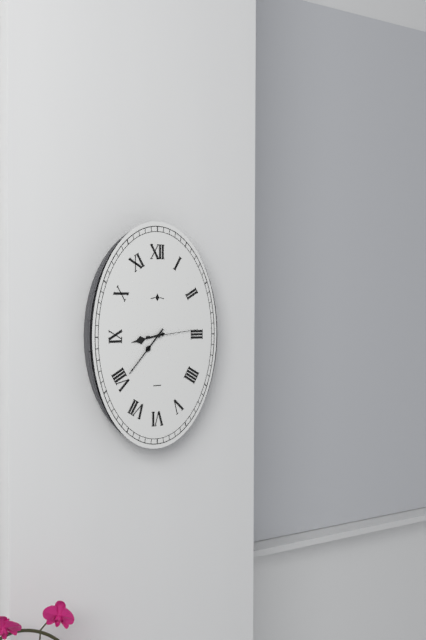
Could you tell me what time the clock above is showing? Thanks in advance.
8:37
